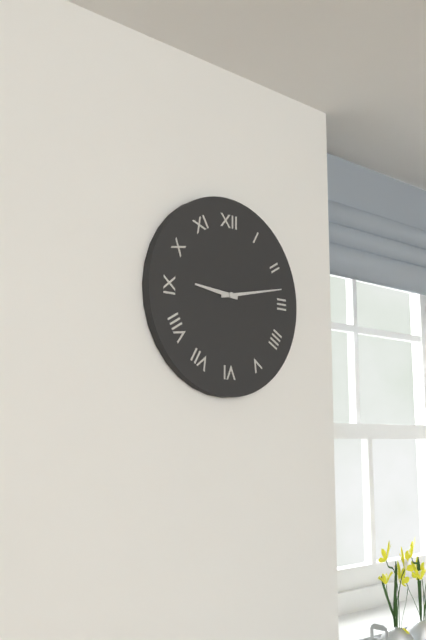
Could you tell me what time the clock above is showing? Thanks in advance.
9:13
